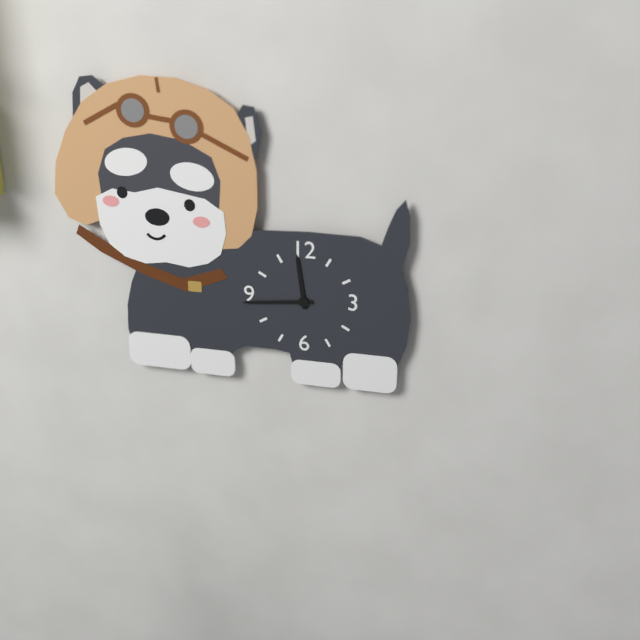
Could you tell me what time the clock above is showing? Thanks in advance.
11:44
